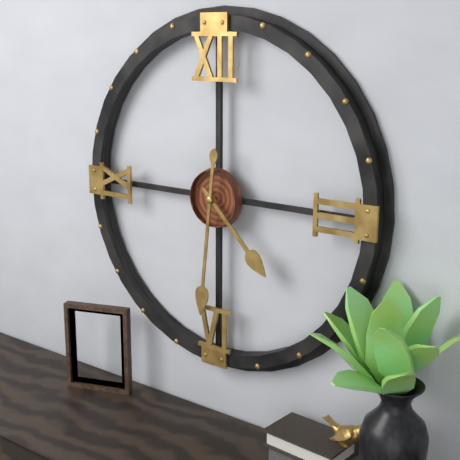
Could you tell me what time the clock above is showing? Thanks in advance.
4:31
